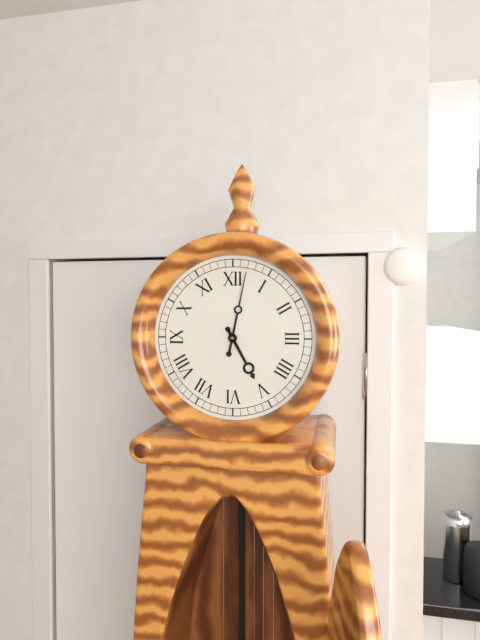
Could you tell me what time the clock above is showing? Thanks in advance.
5:02
